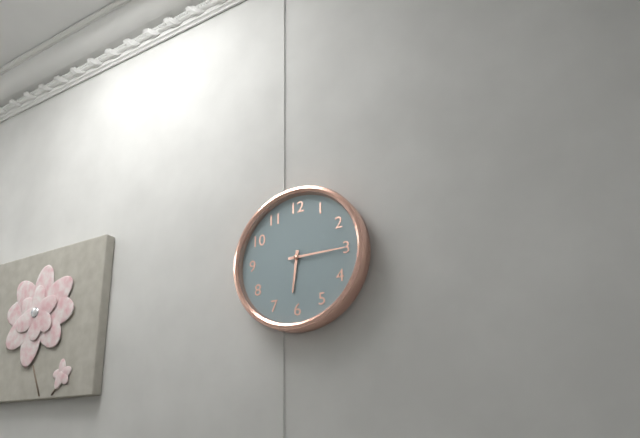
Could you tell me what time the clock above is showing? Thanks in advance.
6:15
